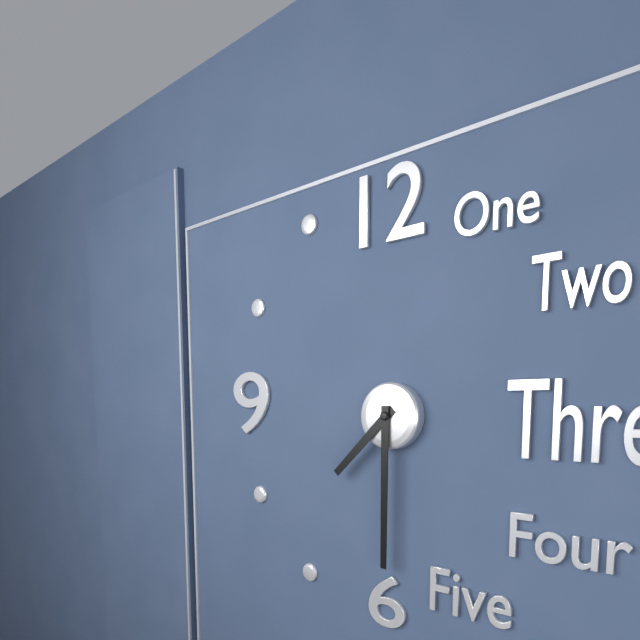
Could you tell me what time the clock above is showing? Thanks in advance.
7:30
